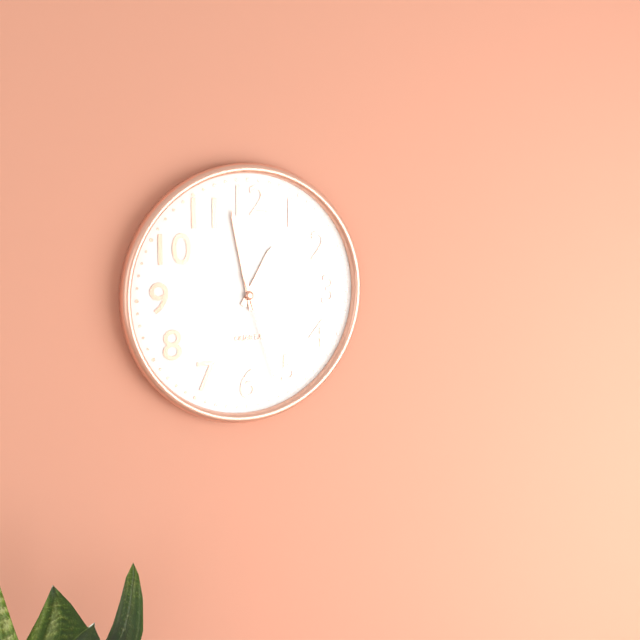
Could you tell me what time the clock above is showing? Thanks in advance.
12:58:27
